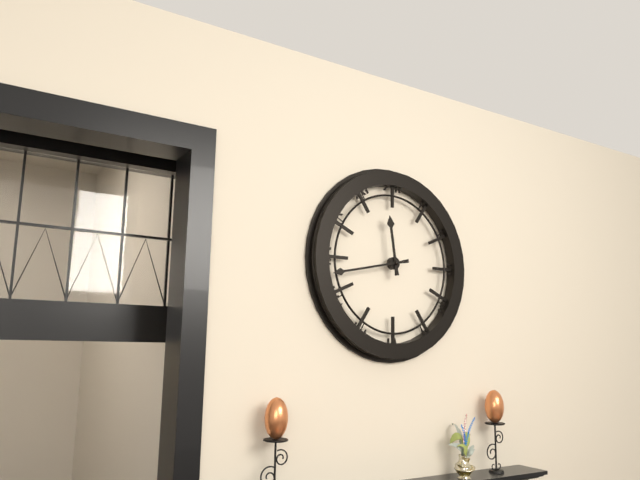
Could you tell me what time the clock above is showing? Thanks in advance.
11:43
